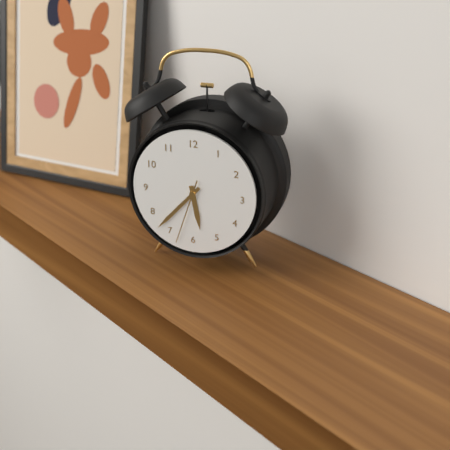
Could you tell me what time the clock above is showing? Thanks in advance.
5:37:33
